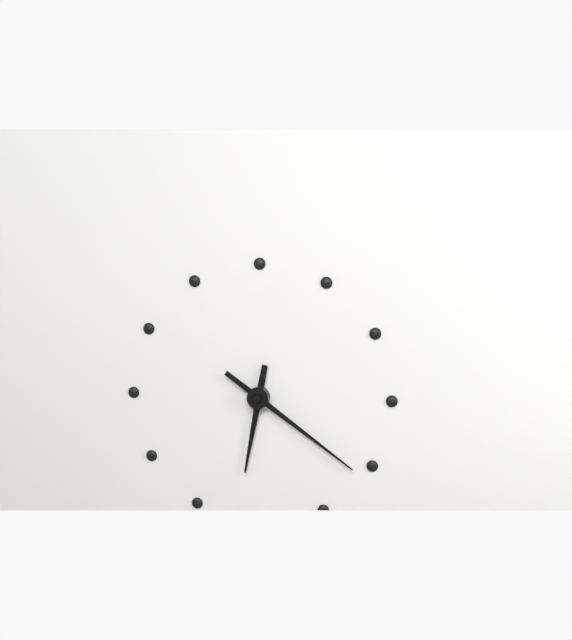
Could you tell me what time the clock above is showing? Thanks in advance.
6:21
